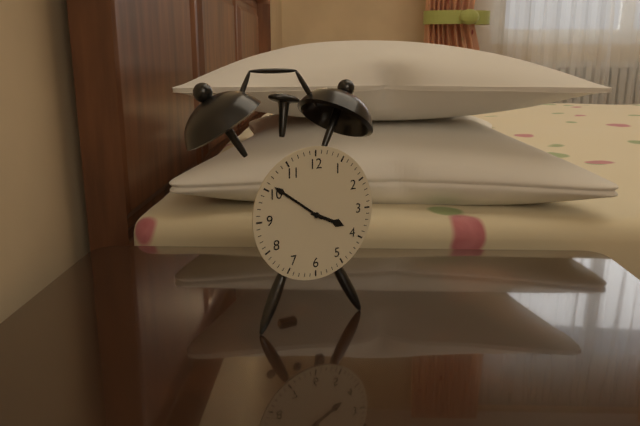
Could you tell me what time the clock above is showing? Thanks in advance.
3:51
